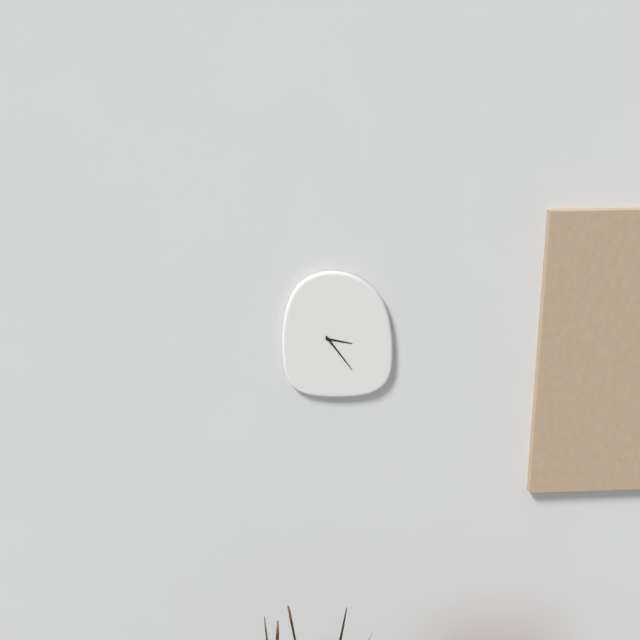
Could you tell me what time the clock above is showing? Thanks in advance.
3:24
